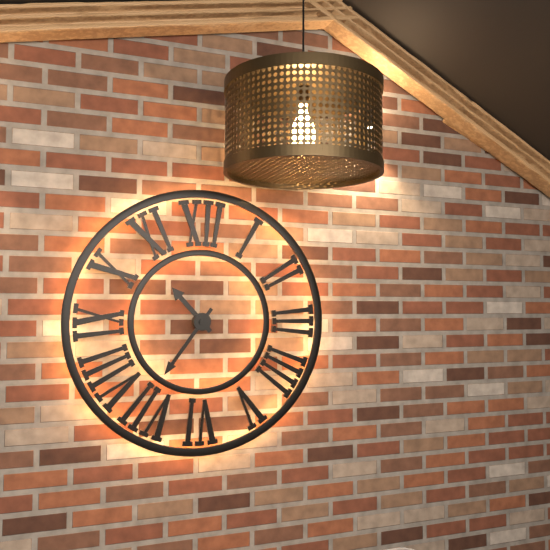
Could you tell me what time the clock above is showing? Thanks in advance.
10:36
